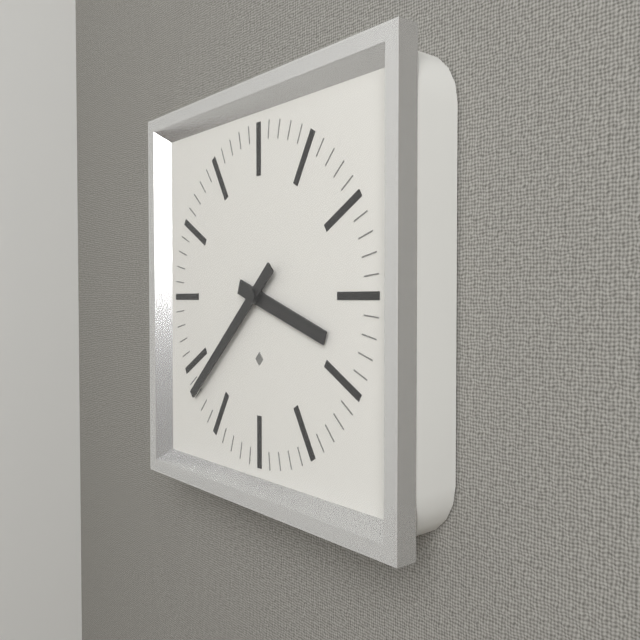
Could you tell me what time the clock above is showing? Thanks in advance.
3:38
